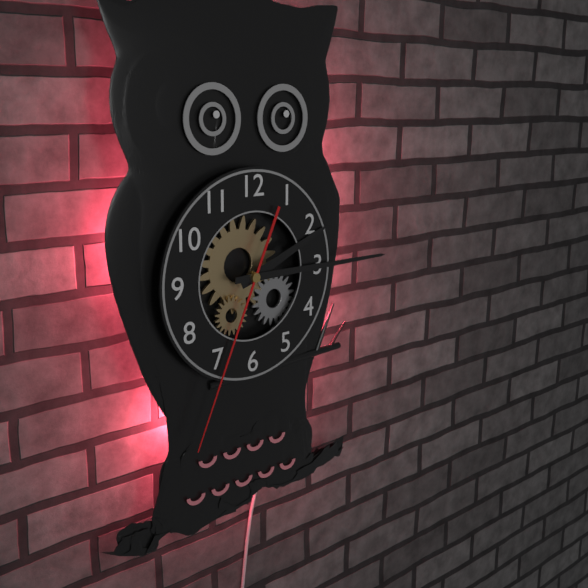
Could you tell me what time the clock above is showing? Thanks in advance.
2:15:34
